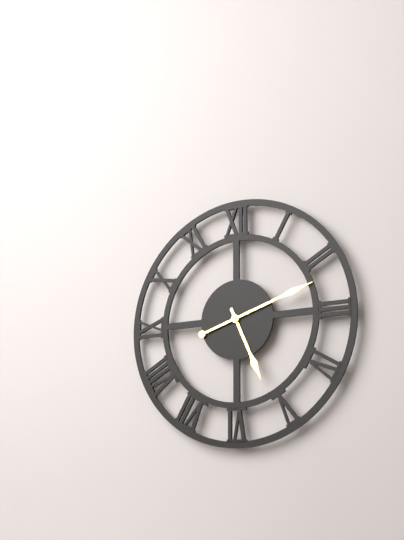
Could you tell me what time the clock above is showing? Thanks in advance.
5:12
